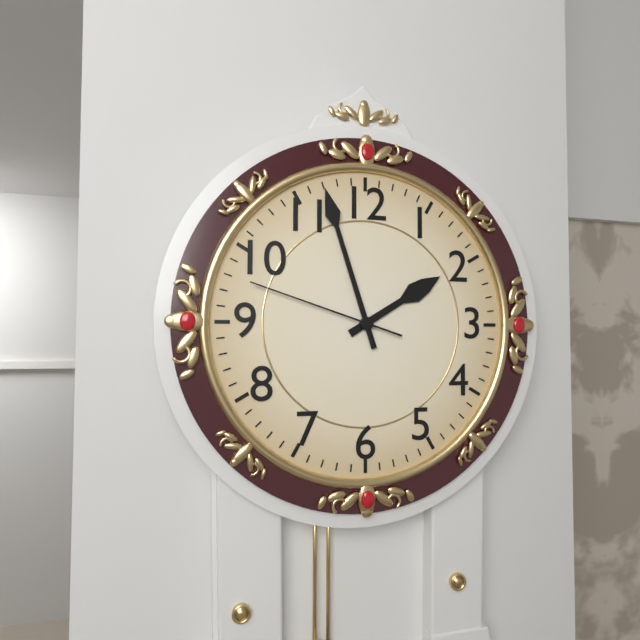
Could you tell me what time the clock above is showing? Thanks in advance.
1:57:48
